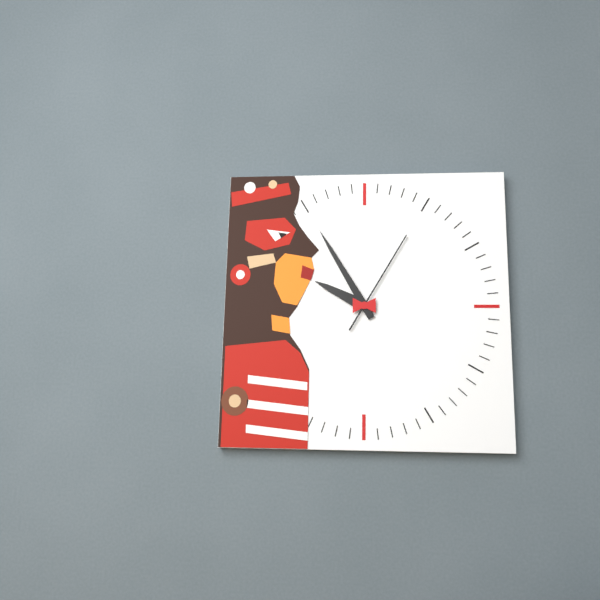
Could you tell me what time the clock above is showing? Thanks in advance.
9:55:05
